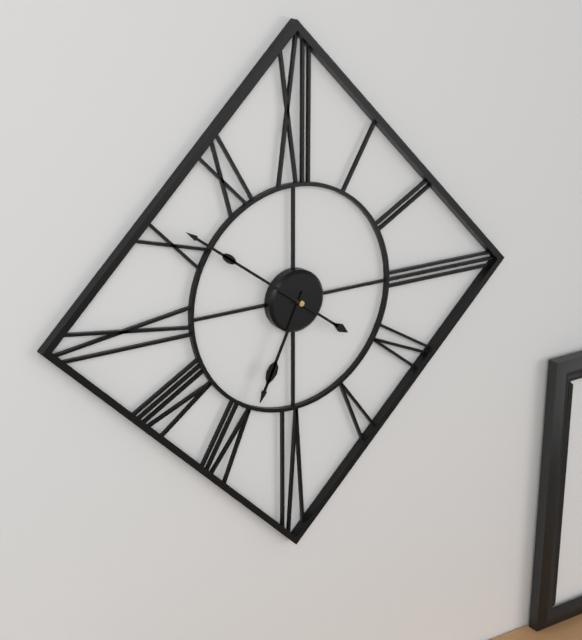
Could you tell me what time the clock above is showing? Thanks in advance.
6:51
